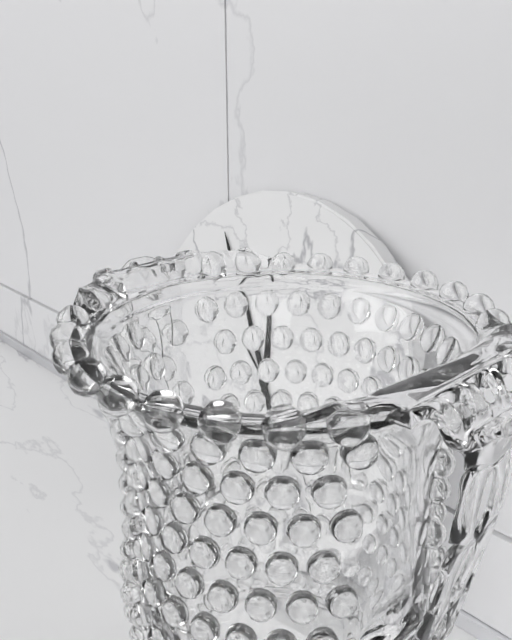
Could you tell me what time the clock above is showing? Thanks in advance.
11:55:22
